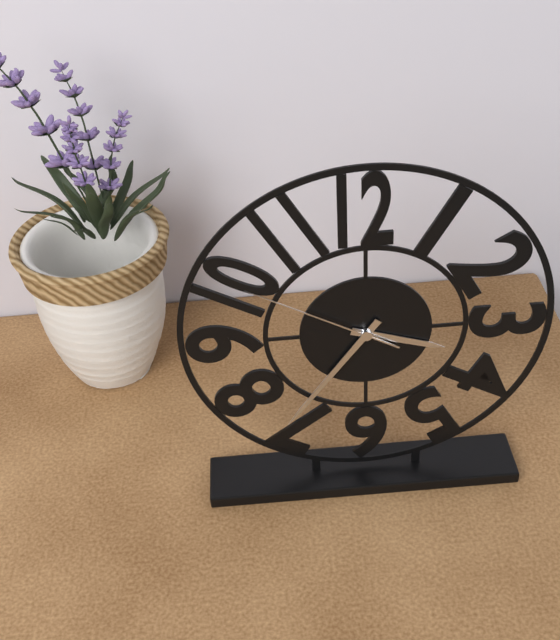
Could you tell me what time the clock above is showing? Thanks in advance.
3:36:50
